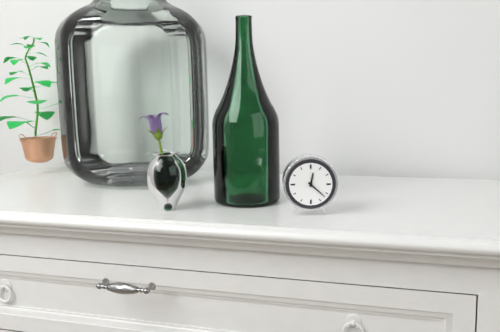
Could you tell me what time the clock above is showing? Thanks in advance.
12:22
